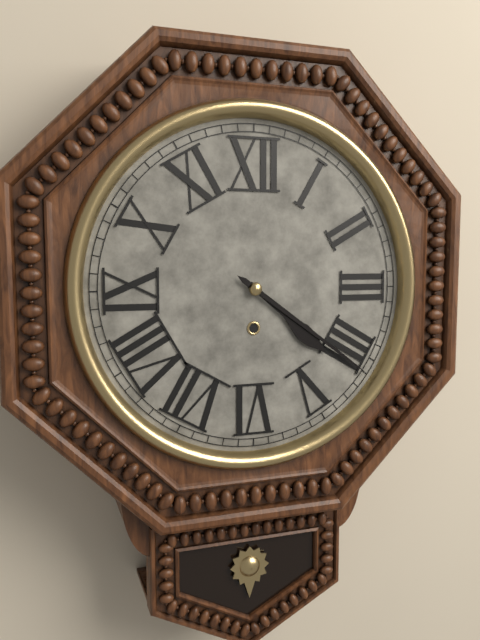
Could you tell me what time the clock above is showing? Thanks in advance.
4:21
